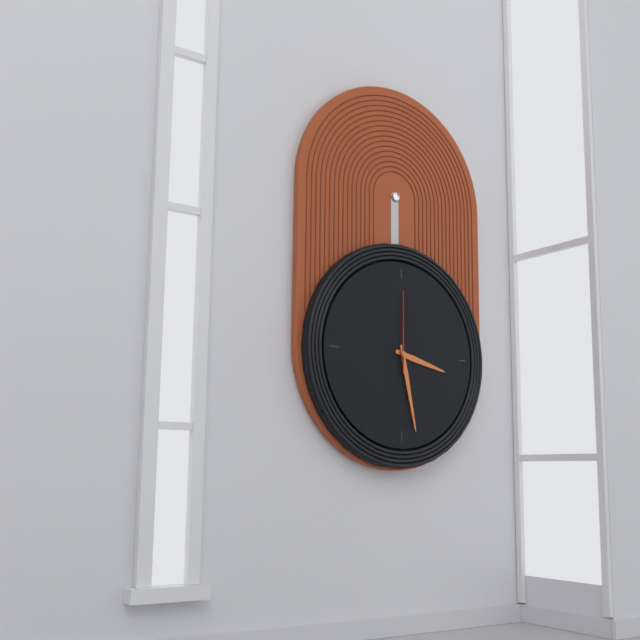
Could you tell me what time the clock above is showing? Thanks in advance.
3:28:00
